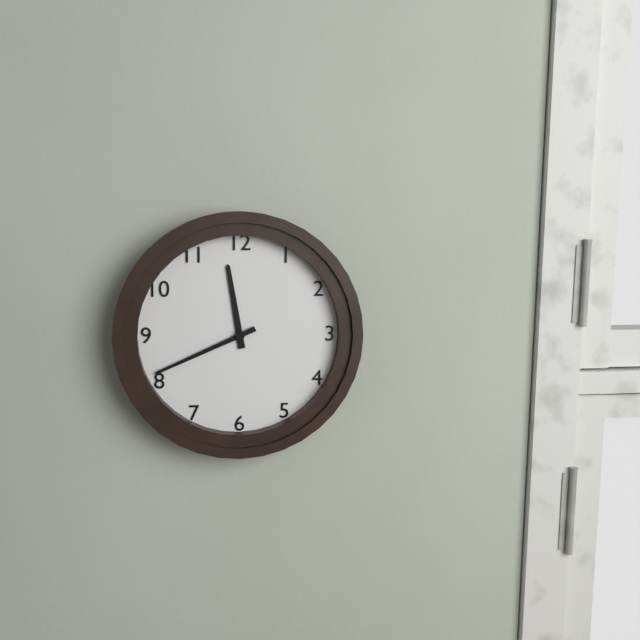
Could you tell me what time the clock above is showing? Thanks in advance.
11:41
